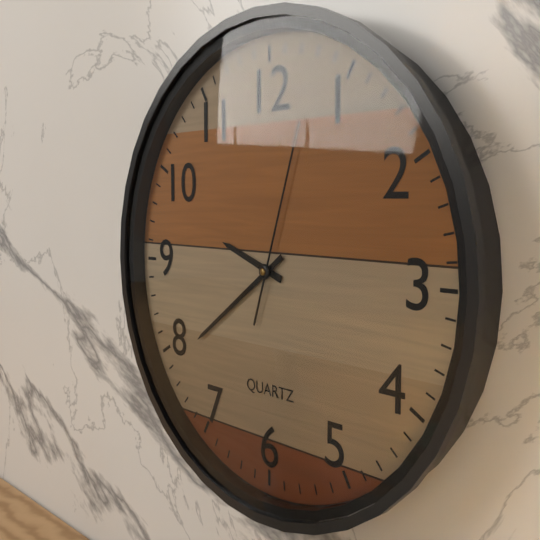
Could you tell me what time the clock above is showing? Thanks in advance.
9:39:03
